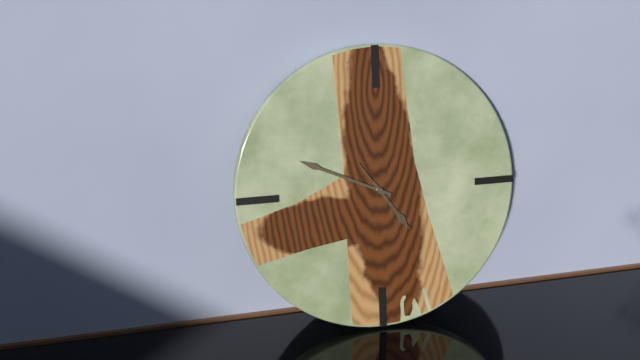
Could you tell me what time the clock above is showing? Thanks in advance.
4:49:24
